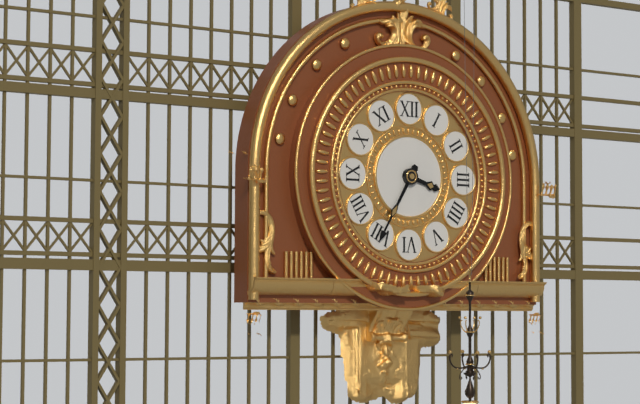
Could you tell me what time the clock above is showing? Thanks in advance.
3:35
